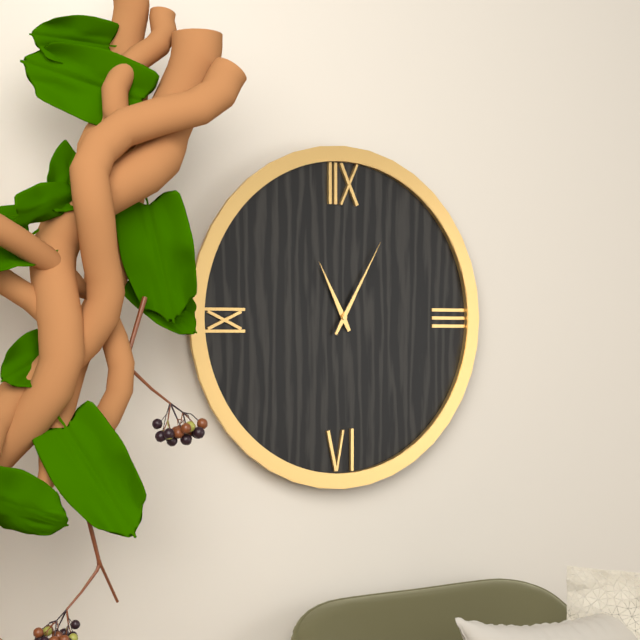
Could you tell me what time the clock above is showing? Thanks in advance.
11:05
